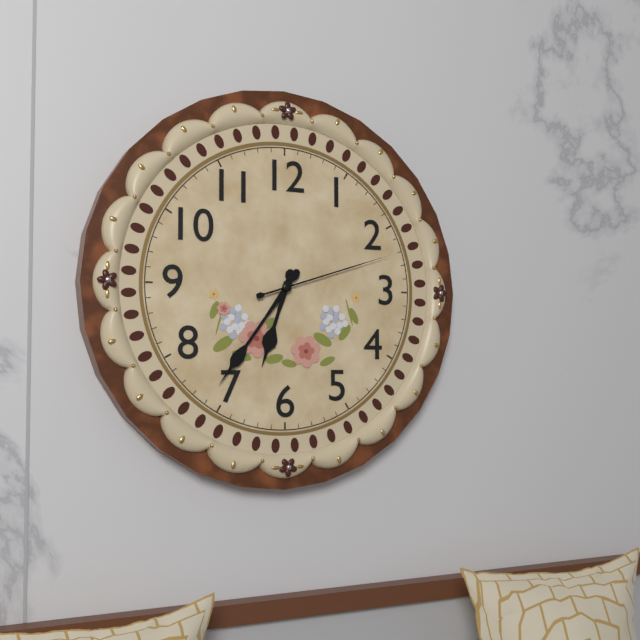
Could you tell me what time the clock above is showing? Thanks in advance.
6:36:12
